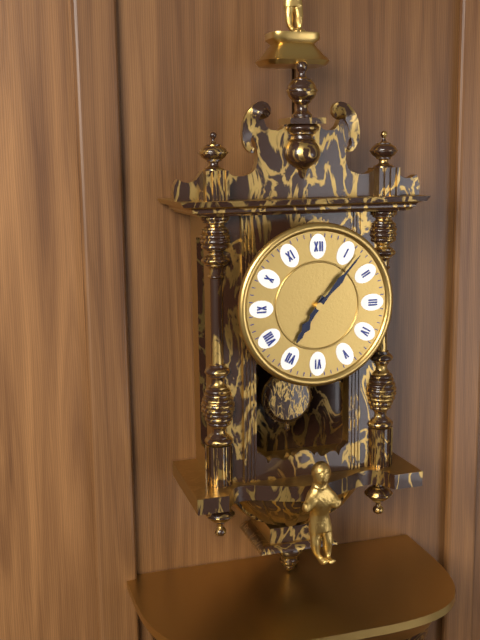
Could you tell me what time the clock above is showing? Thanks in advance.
7:07
